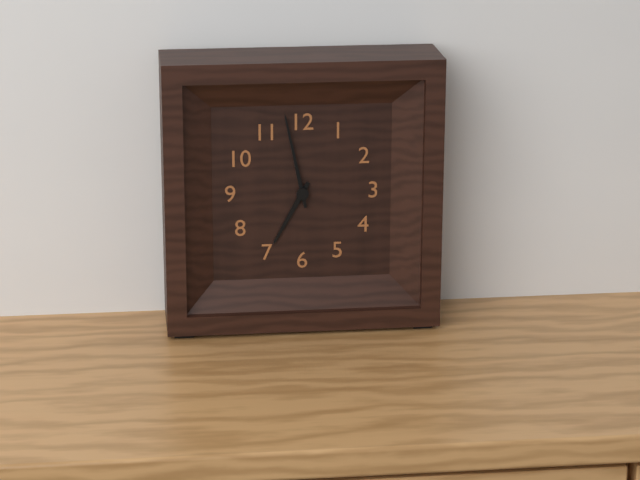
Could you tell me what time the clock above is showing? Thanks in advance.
6:58
